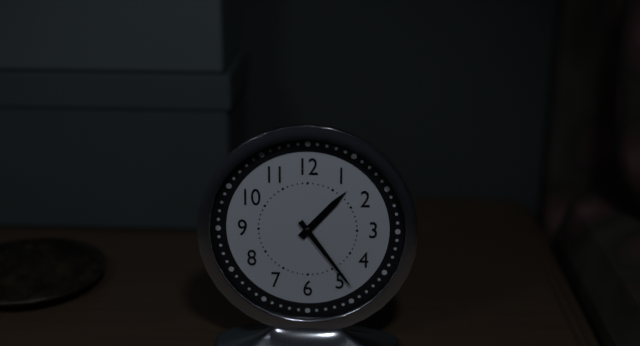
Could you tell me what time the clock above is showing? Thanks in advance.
1:24
